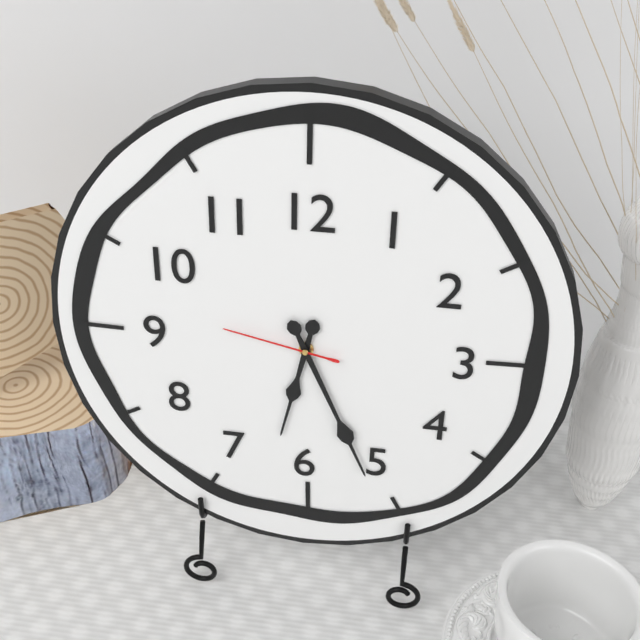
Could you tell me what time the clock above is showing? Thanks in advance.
6:26:47
